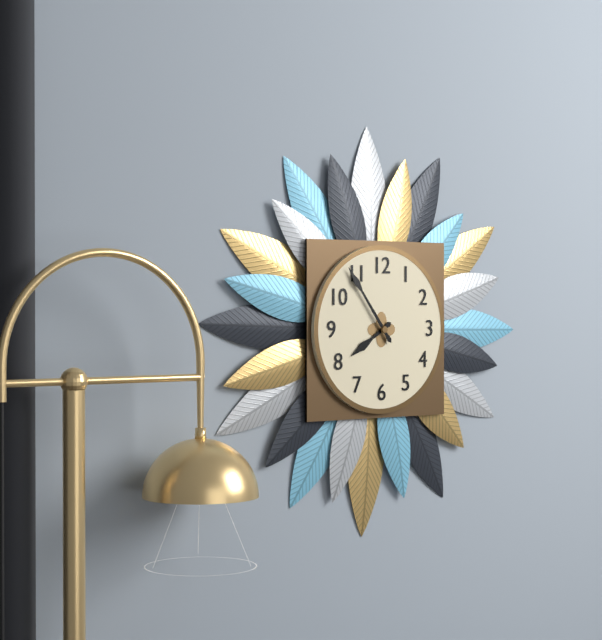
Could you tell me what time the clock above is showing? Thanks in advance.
7:54
